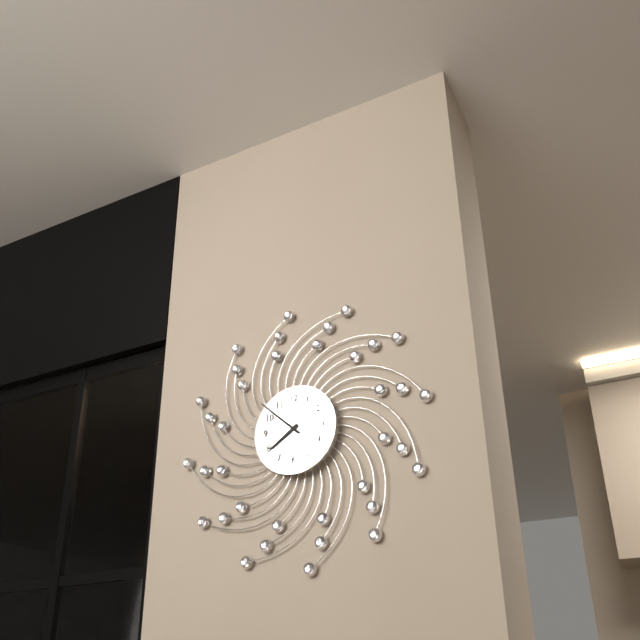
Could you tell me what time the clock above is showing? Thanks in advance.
7:52
